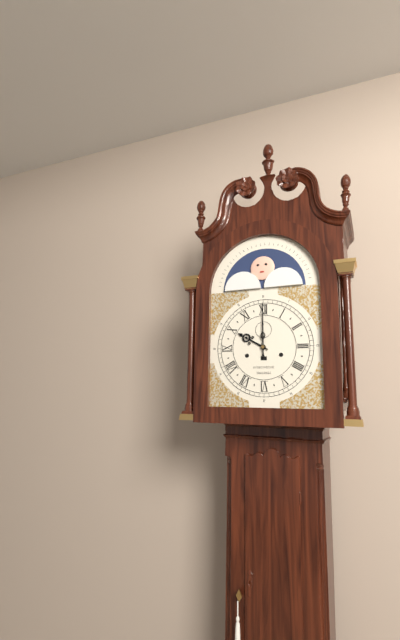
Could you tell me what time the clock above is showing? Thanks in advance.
10:00
